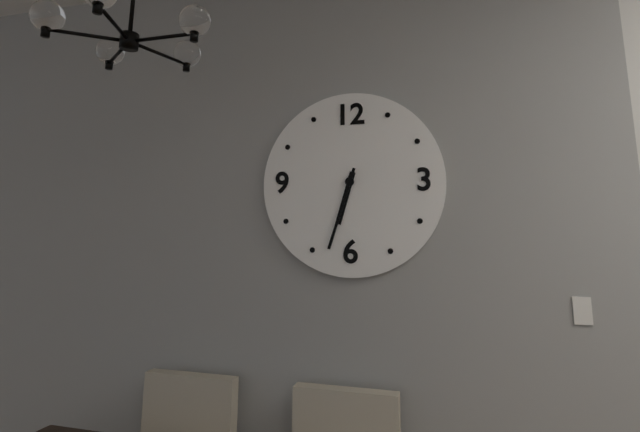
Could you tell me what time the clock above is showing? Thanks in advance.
6:33
